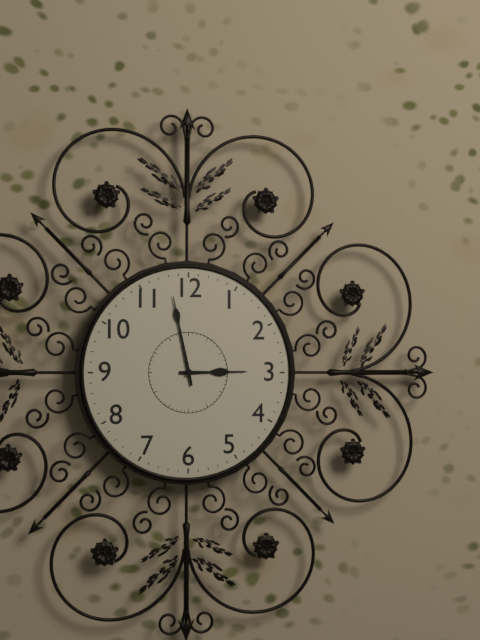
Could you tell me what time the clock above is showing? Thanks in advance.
2:58
